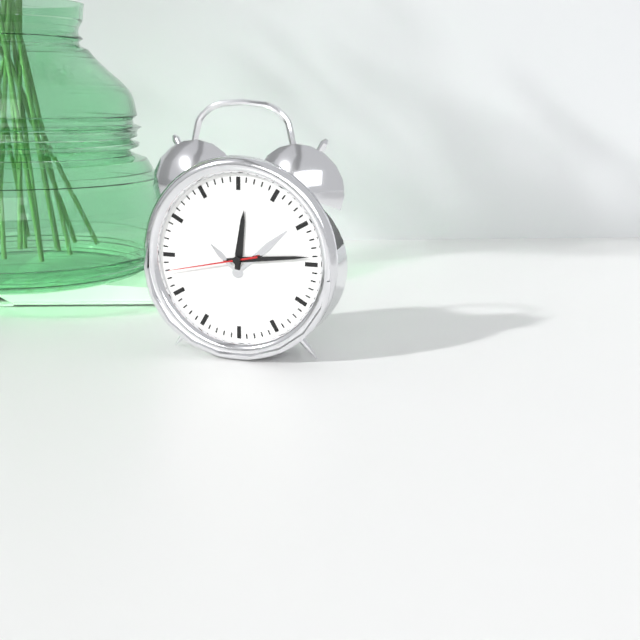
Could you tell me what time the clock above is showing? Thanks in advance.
12:14:43
